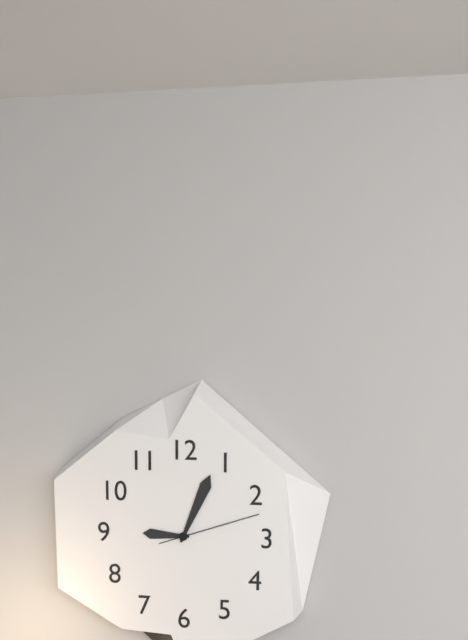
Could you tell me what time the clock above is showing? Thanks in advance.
9:04:12
